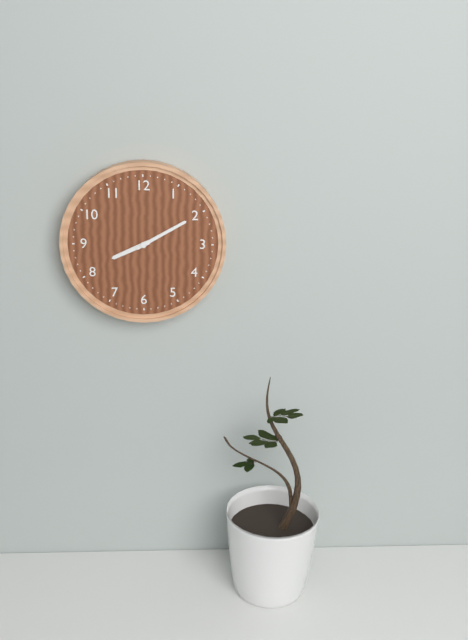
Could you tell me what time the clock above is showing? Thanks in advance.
8:10
